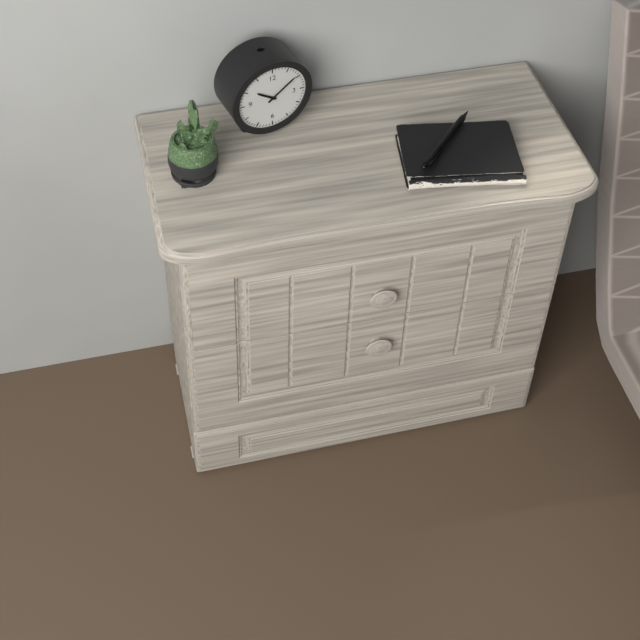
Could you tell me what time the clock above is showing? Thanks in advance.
10:09
